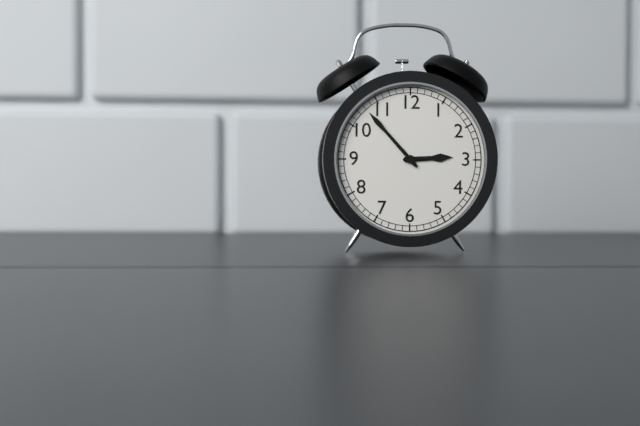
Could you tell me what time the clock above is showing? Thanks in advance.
2:53
